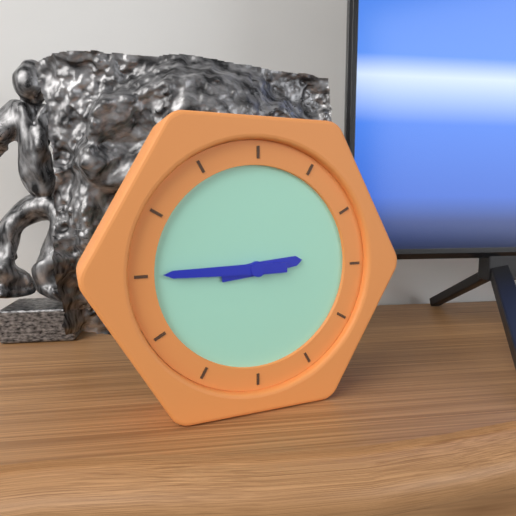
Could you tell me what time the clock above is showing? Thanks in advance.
2:45
